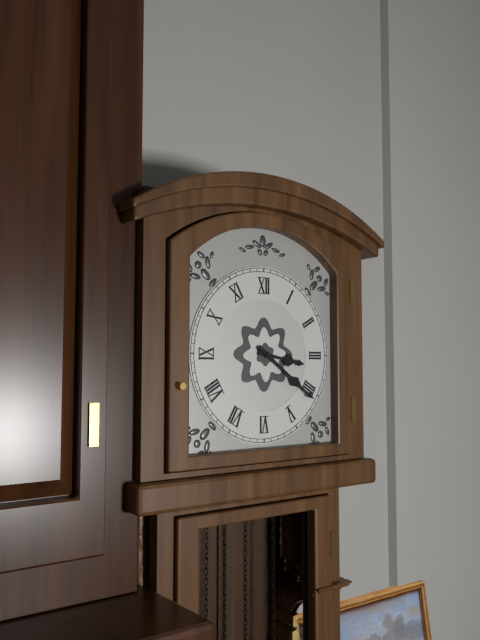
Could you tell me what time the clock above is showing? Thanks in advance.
3:21
